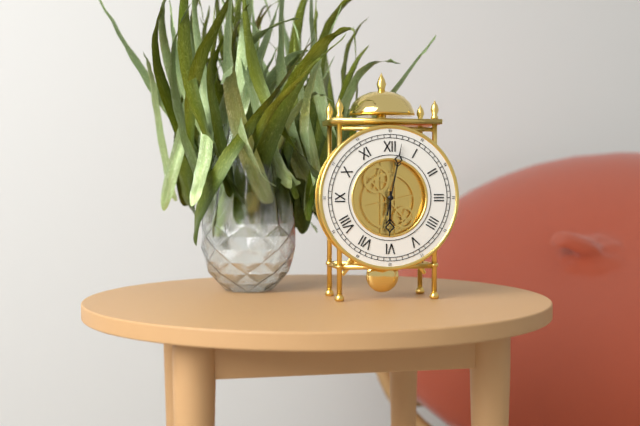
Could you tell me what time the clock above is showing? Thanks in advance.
6:02
